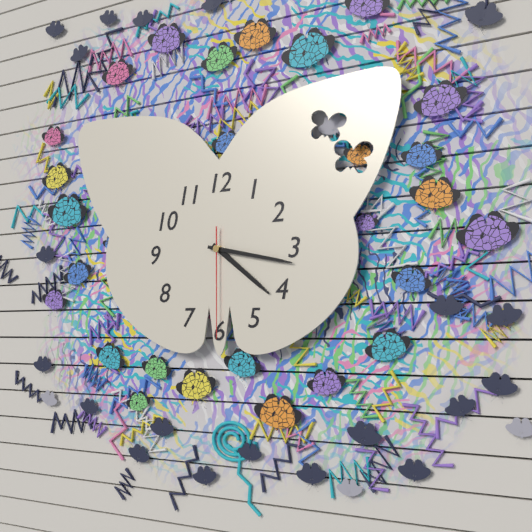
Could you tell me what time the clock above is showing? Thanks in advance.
4:17:30
